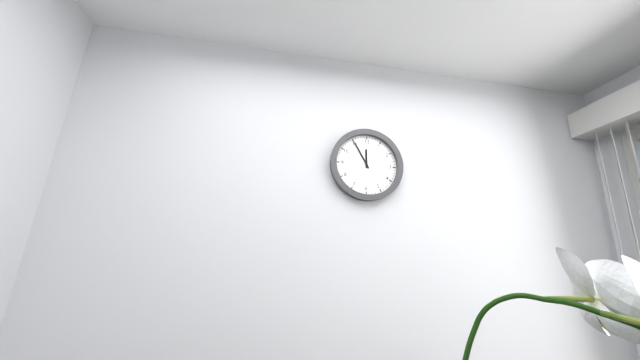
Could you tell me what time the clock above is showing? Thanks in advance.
11:55
